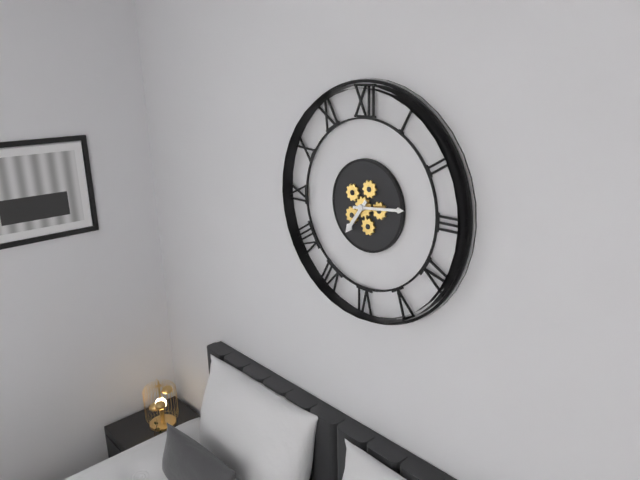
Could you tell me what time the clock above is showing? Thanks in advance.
7:14
